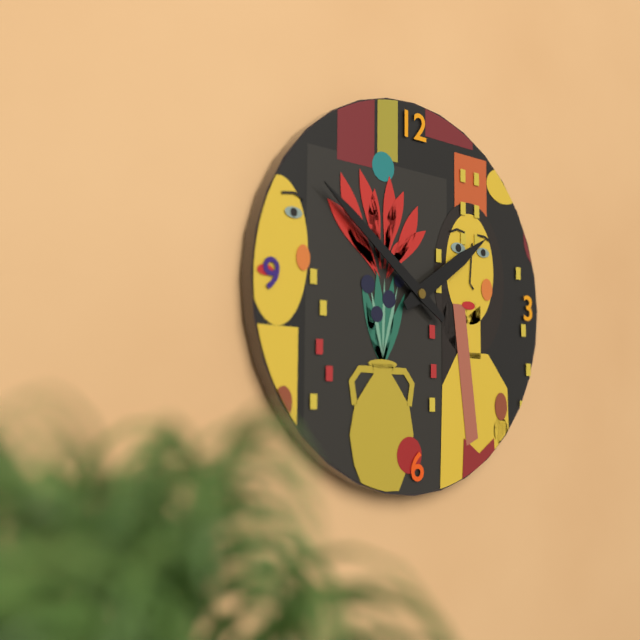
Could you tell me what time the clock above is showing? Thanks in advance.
1:51
